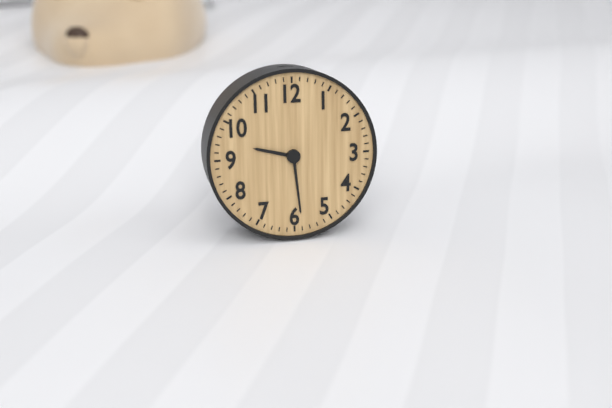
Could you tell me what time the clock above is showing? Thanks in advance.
9:29
